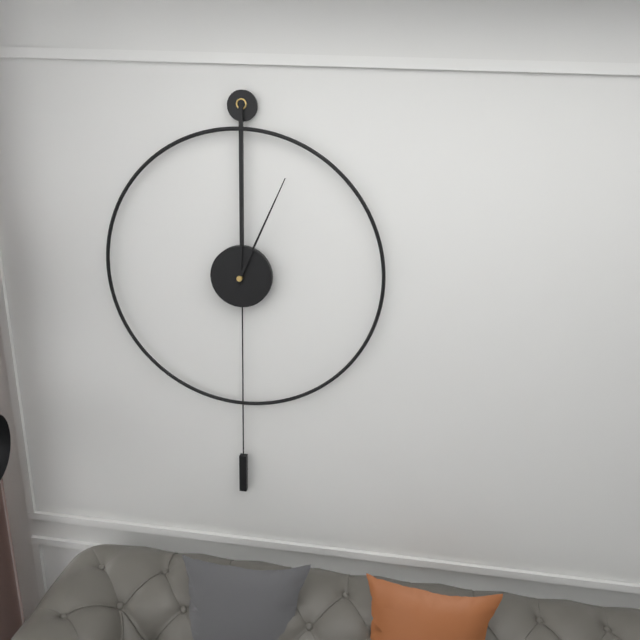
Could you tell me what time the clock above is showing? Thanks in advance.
12:04
